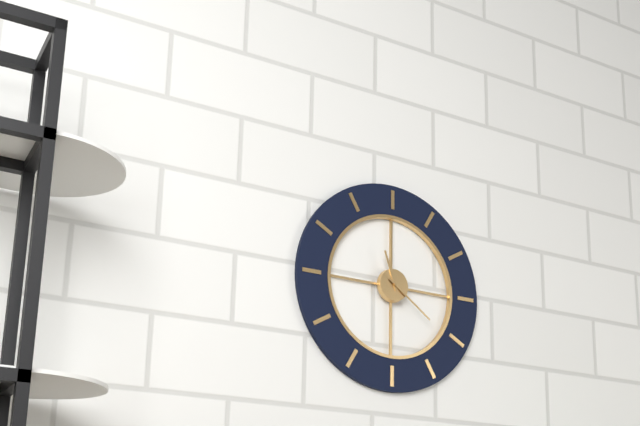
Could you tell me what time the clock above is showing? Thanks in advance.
11:21
